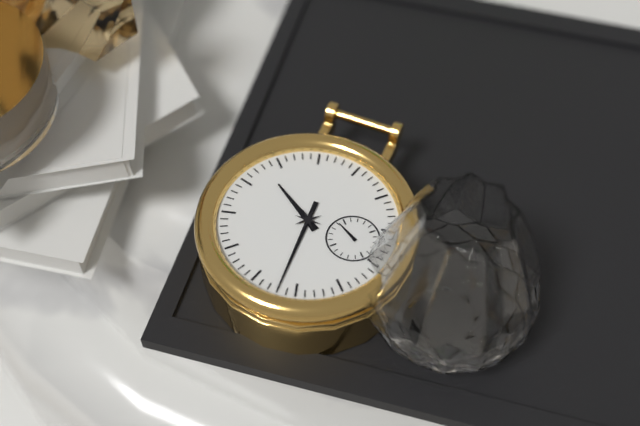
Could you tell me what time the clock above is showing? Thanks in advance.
11:37
